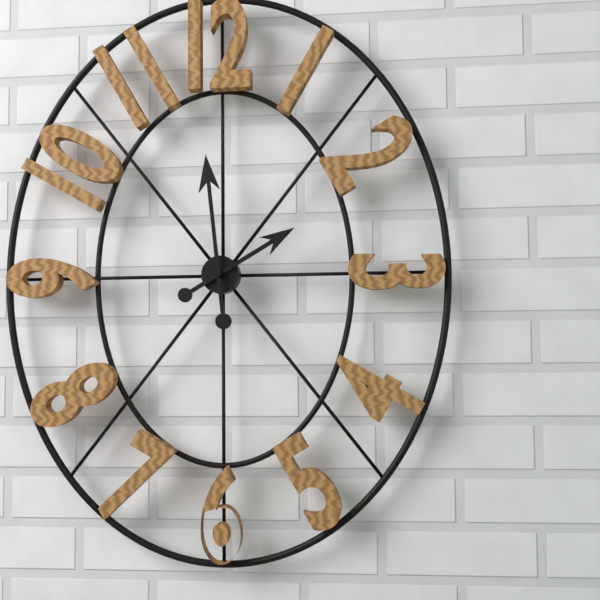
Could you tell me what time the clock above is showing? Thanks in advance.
1:59
